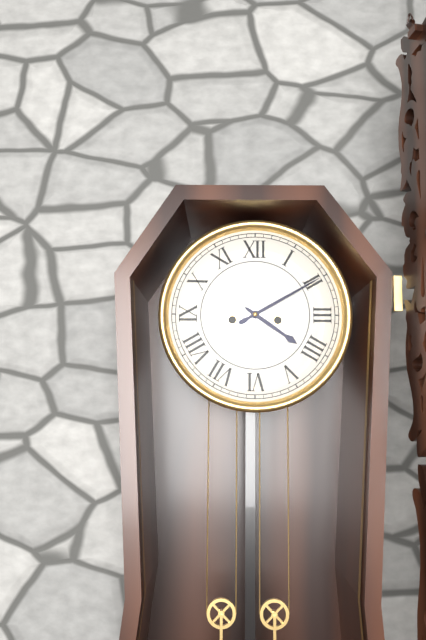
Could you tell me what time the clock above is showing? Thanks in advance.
4:10
